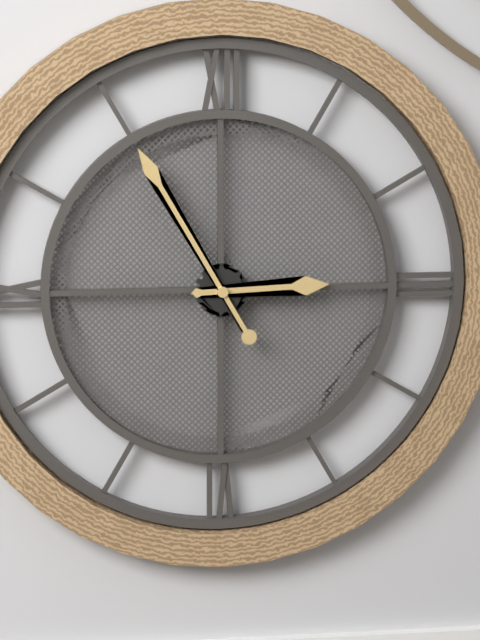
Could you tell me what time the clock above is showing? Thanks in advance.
2:55
